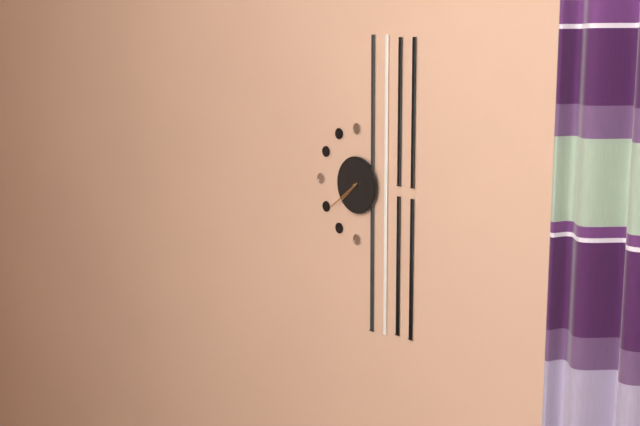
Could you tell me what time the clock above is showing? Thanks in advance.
7:39
